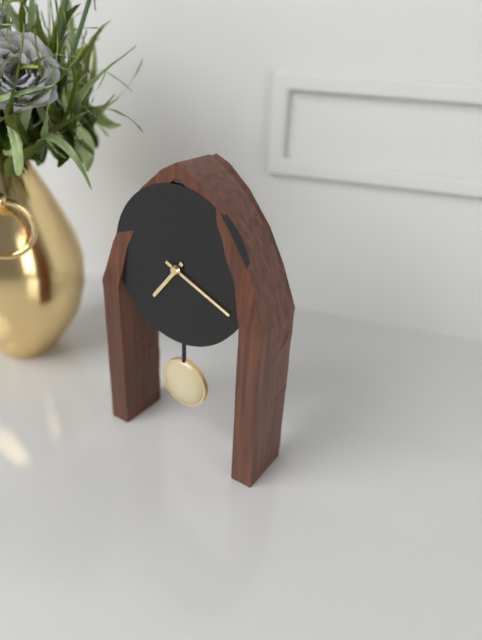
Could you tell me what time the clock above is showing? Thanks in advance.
7:19
